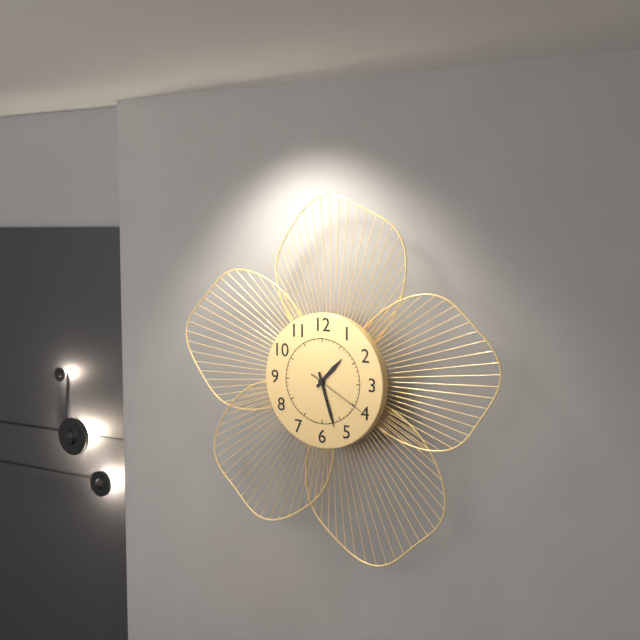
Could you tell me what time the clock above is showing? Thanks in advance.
1:27:20
